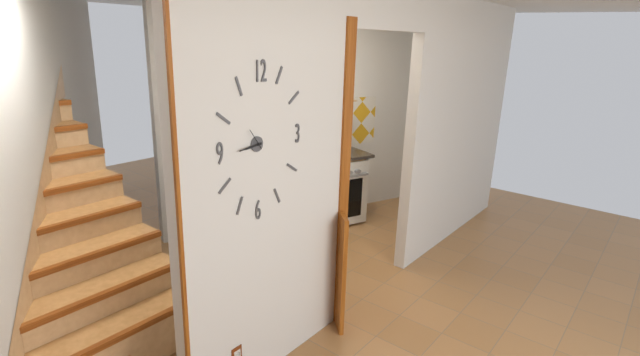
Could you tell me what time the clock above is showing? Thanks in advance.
8:44
